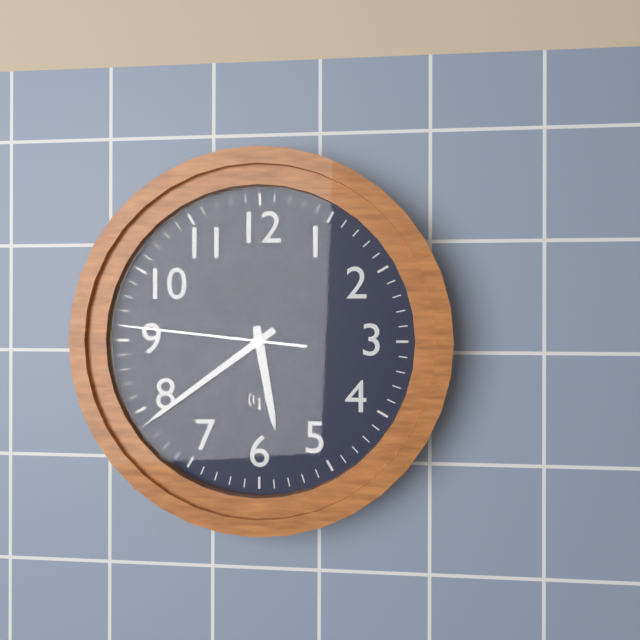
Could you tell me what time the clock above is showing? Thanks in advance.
5:39:46
